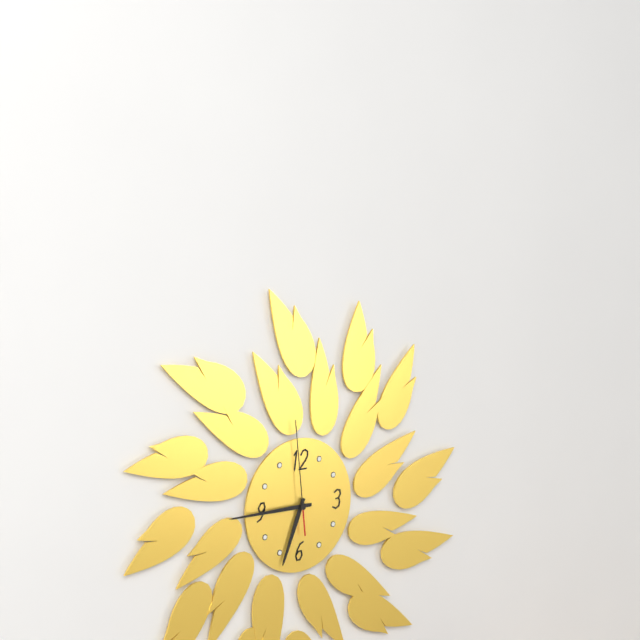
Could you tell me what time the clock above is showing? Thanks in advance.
6:45:59
